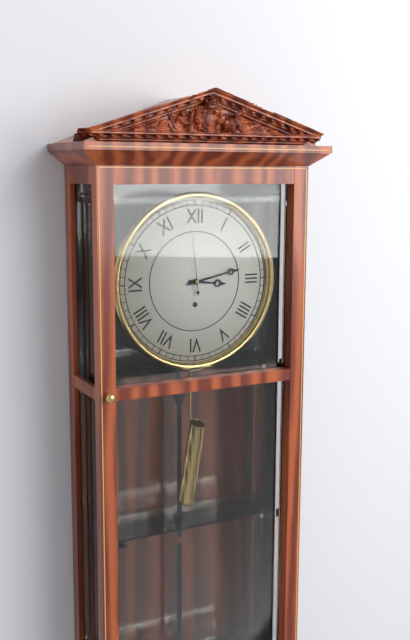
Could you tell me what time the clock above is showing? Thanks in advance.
3:13:59
